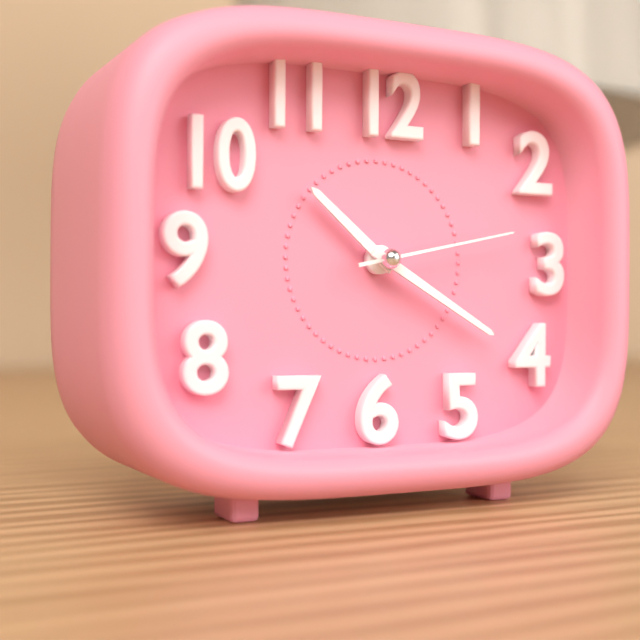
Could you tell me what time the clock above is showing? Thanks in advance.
10:20:13
